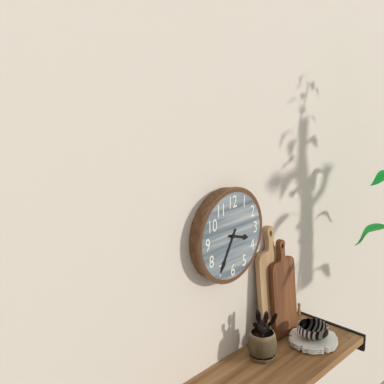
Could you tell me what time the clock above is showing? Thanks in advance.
3:35
